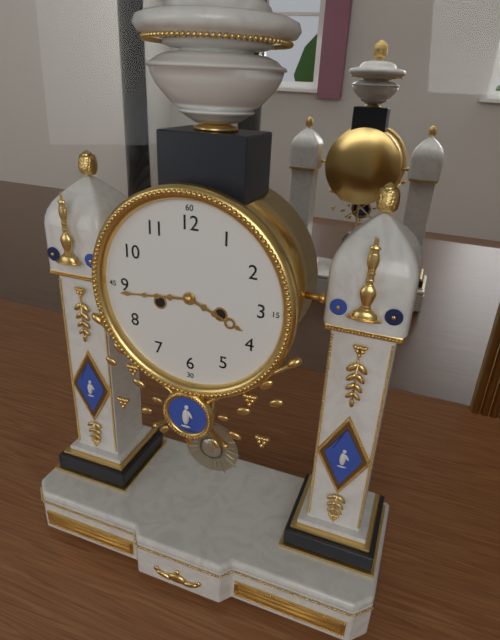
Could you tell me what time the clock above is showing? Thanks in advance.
3:44
